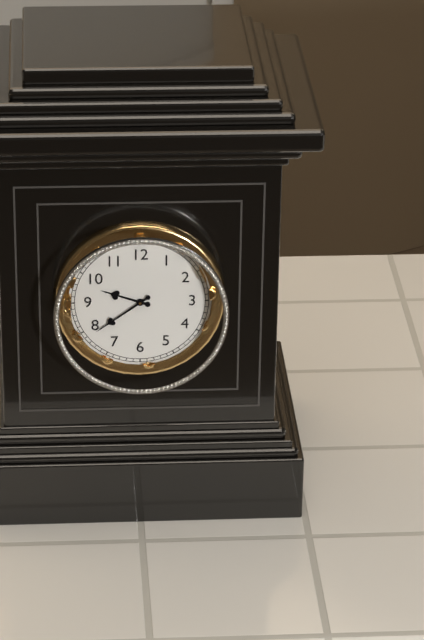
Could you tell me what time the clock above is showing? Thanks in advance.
9:39
